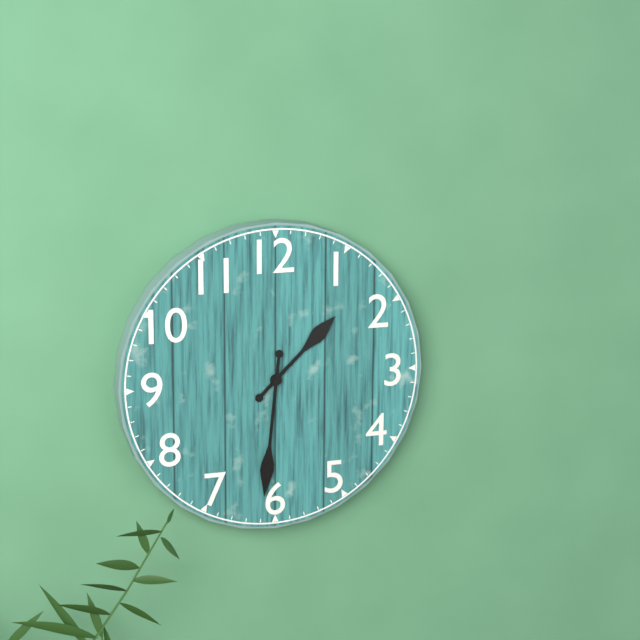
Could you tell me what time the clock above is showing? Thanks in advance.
1:31
